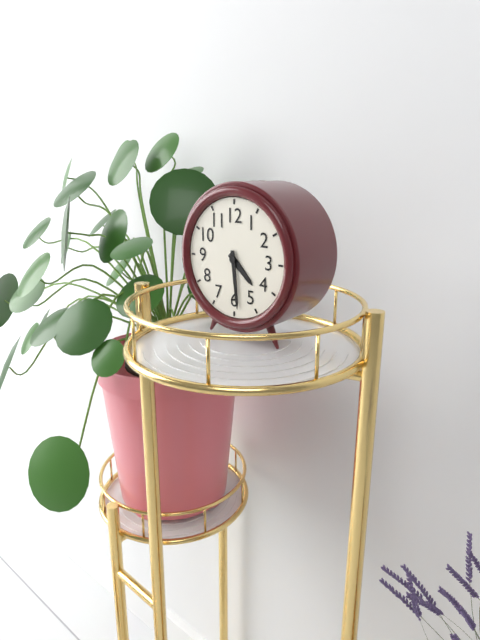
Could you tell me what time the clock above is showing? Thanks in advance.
4:29
